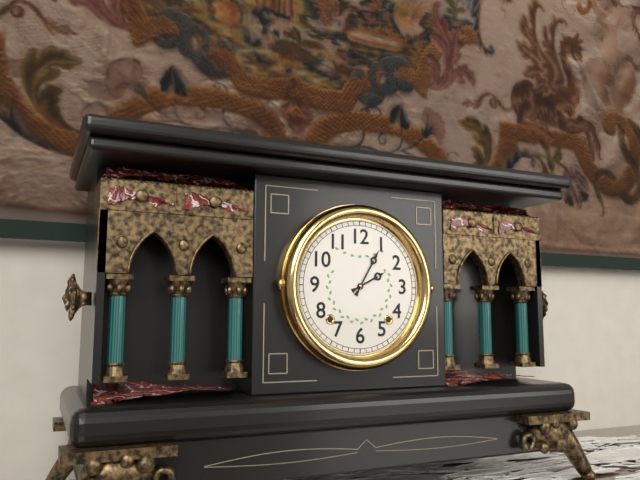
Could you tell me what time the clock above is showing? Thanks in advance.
2:05
